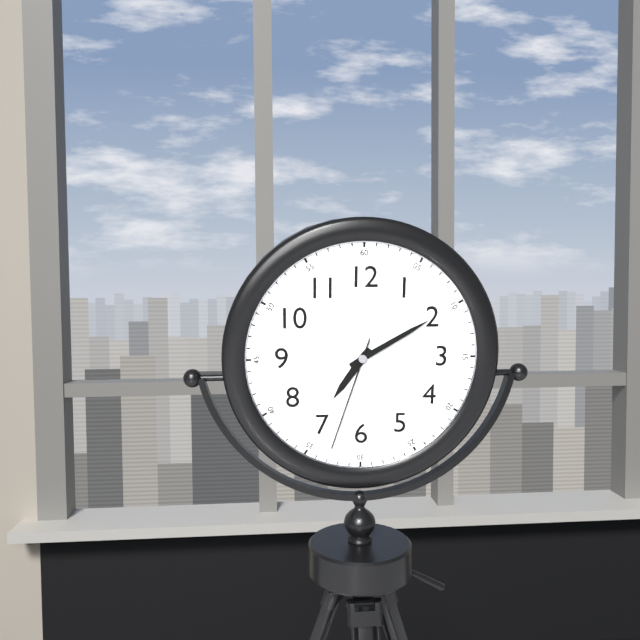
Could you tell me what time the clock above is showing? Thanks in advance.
7:10:33
